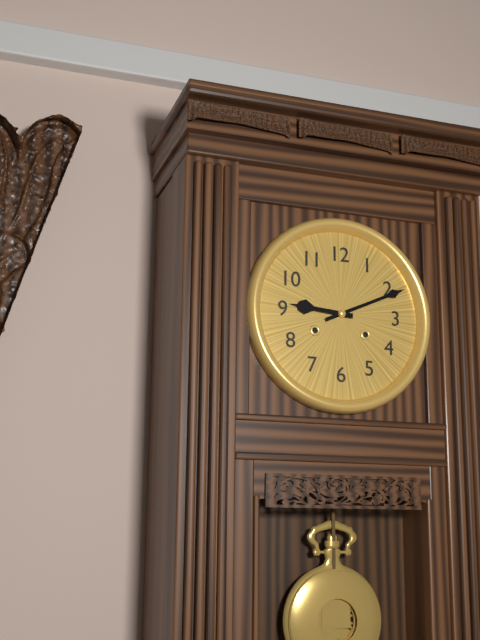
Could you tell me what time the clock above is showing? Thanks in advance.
9:11
